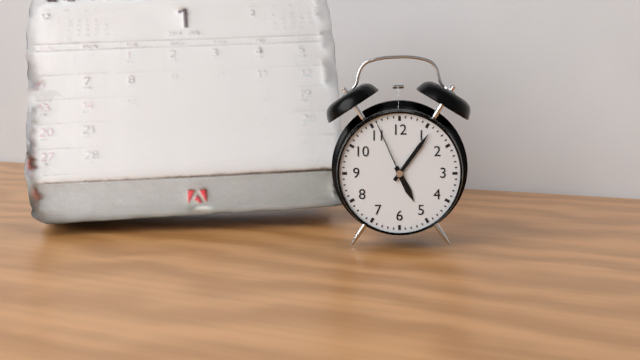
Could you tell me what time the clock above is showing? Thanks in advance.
5:06:56
